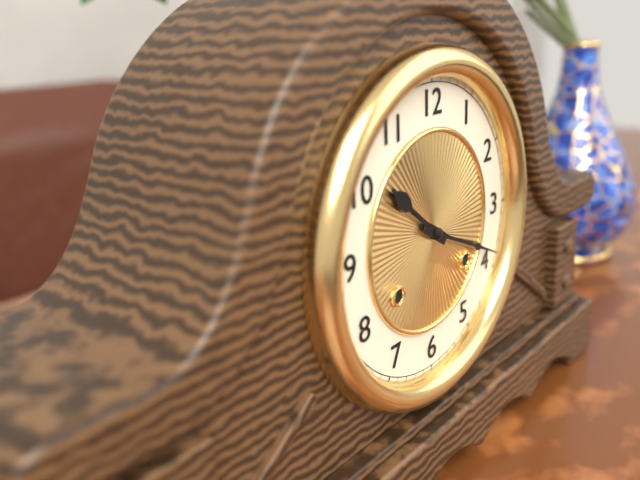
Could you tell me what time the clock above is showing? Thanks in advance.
10:19
